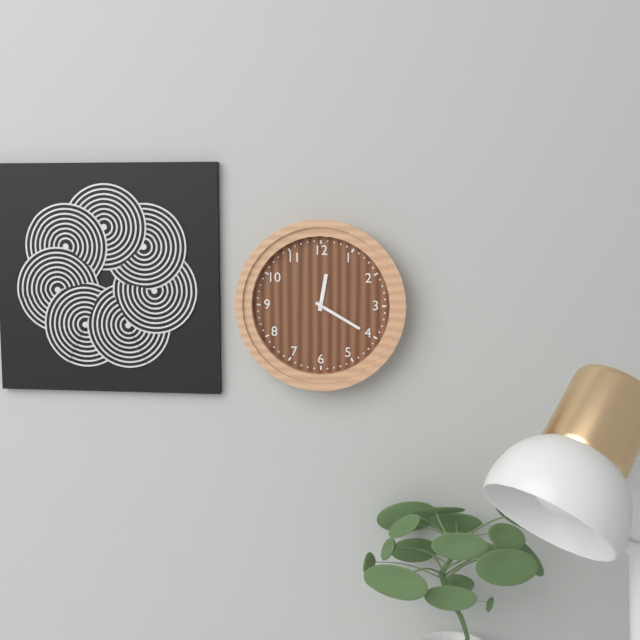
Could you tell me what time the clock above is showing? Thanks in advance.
12:20
